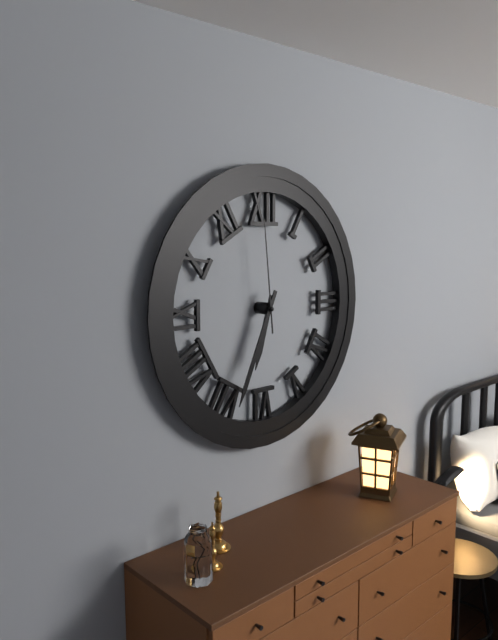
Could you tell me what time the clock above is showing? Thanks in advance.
6:34:59
